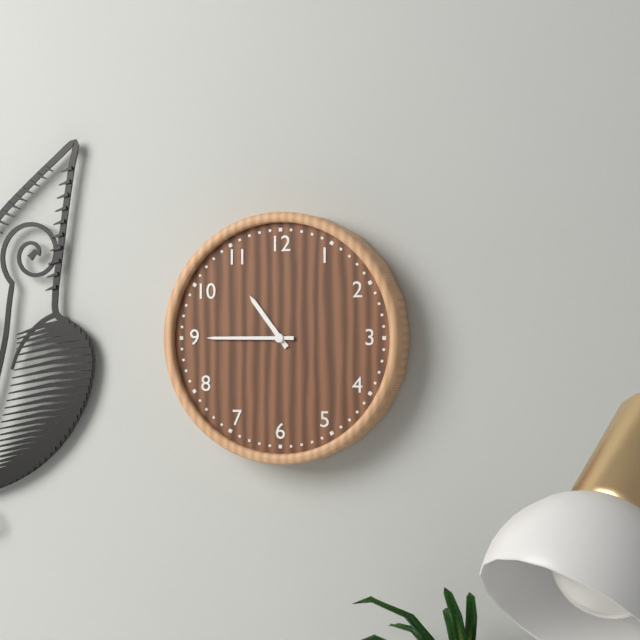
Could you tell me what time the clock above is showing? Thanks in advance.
10:45
